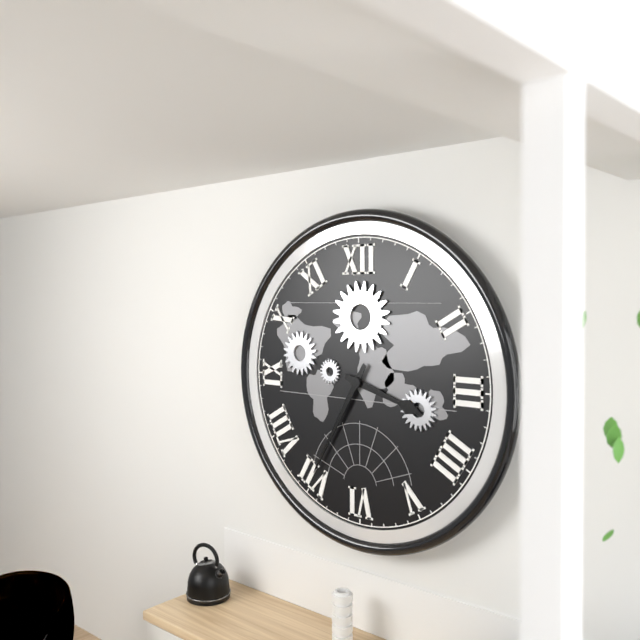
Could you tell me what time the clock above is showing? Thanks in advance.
3:35
